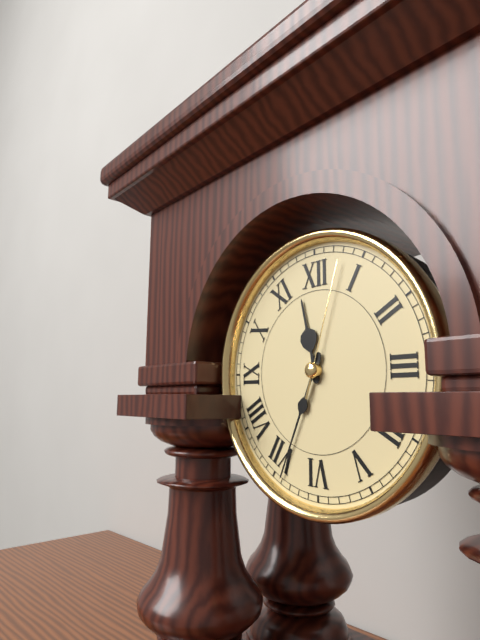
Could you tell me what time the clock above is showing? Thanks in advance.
11:34:03
